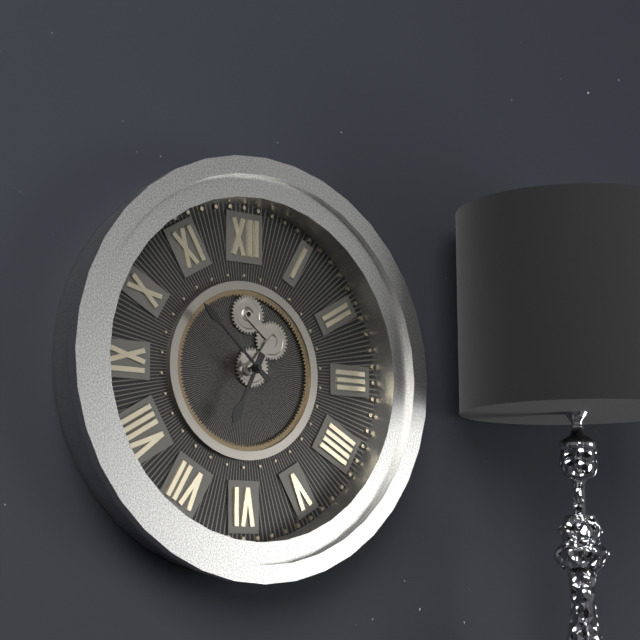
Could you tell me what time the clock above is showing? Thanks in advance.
6:52
